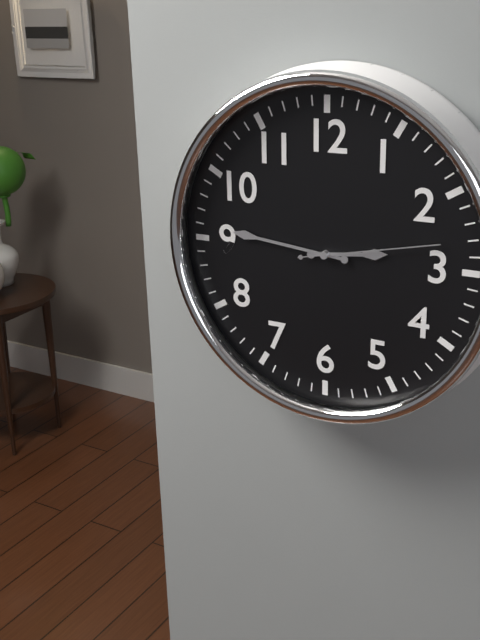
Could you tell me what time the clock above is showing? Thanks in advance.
2:46:13
